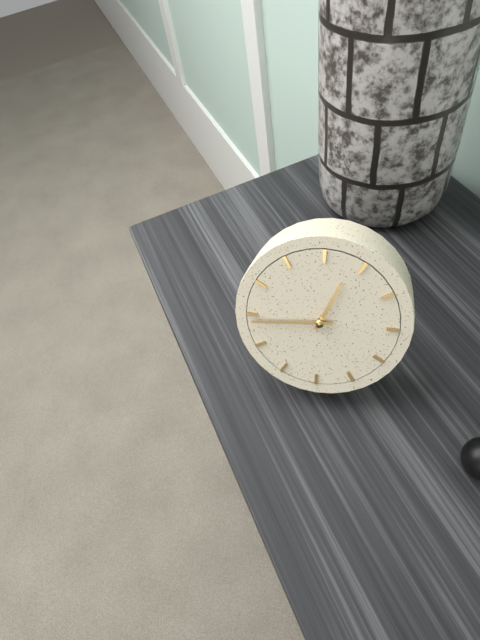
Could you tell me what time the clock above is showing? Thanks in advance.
12:44
